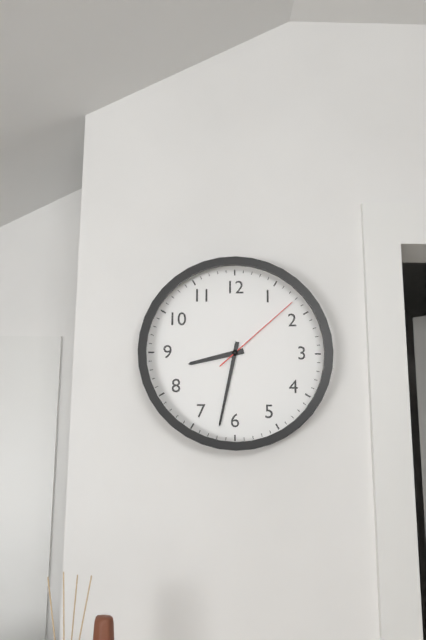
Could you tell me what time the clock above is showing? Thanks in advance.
8:32:08
